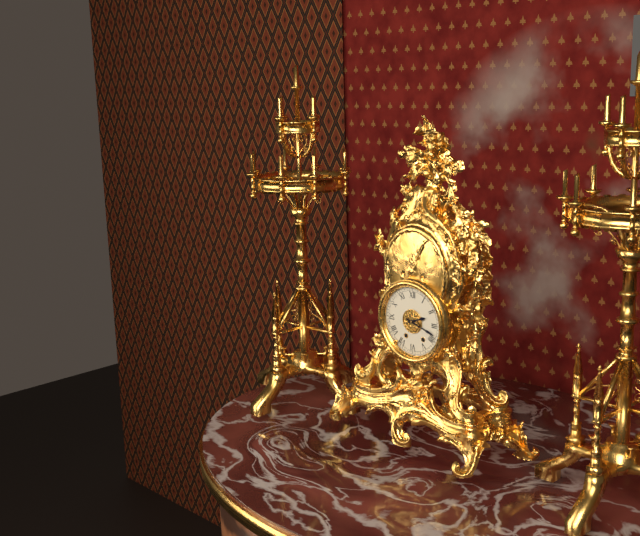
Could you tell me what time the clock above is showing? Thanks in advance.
2:18
